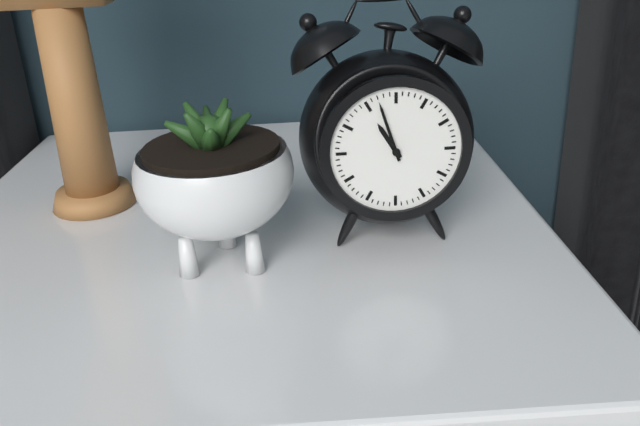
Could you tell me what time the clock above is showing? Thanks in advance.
10:57
